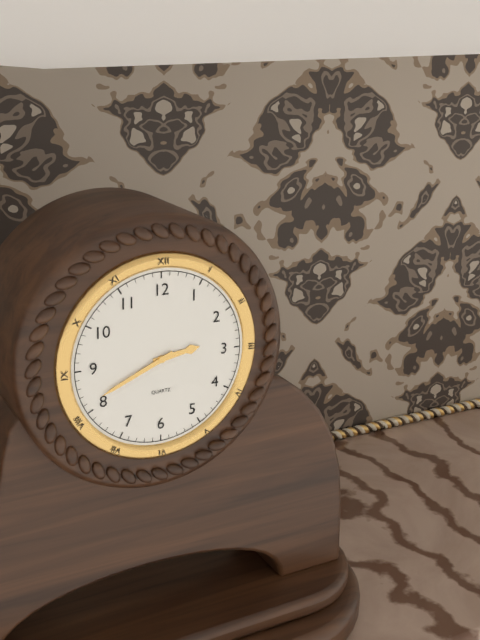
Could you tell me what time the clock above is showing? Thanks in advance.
2:41
